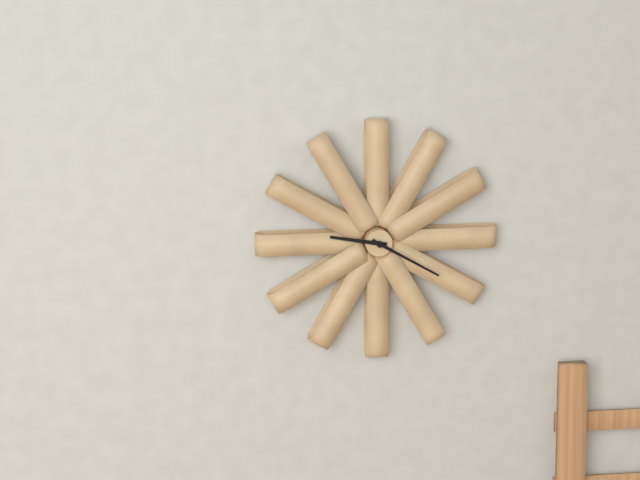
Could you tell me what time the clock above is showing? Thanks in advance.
9:20
